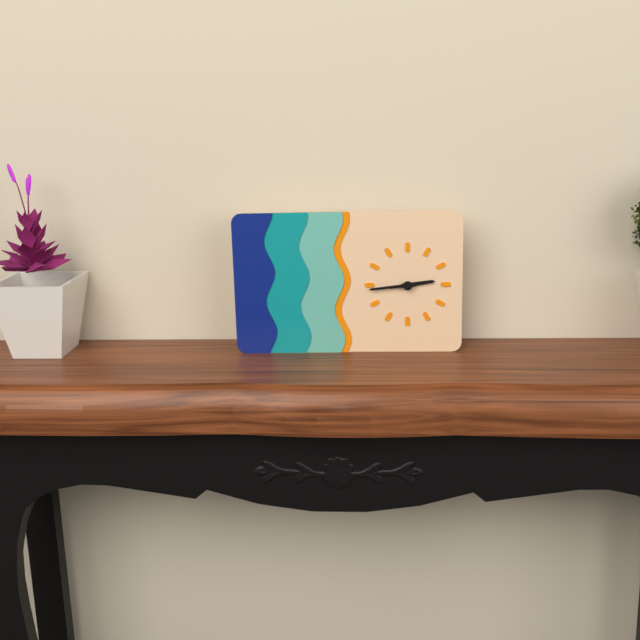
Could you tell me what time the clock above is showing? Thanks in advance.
2:44
